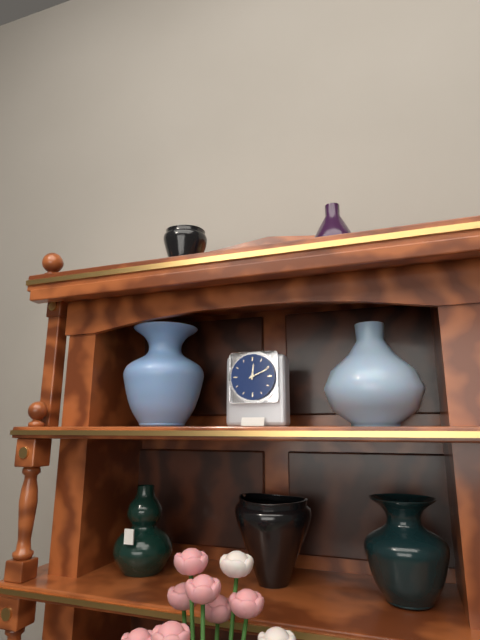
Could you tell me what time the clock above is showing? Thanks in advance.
12:11
